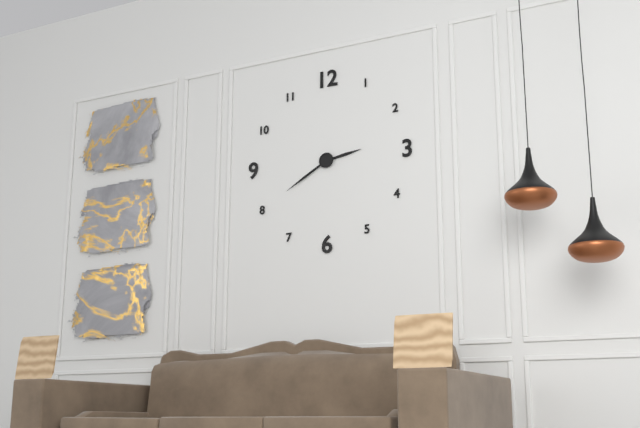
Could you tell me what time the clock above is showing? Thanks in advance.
2:40
